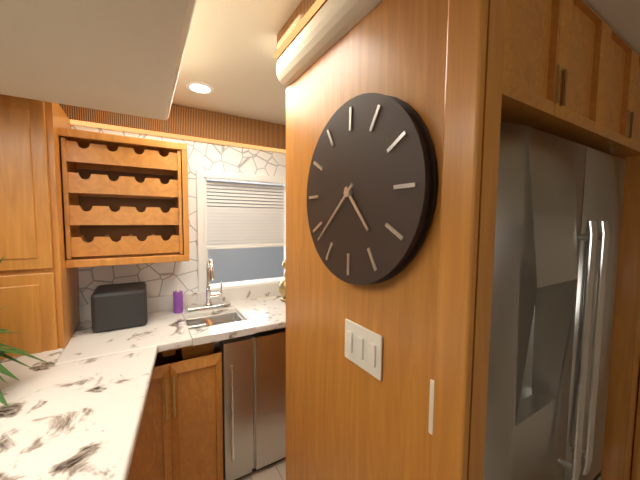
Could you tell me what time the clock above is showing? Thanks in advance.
4:38
